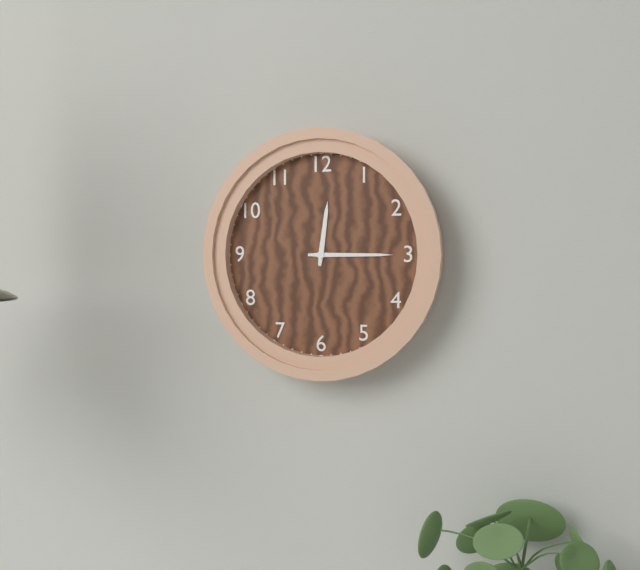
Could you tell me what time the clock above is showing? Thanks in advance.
12:15
